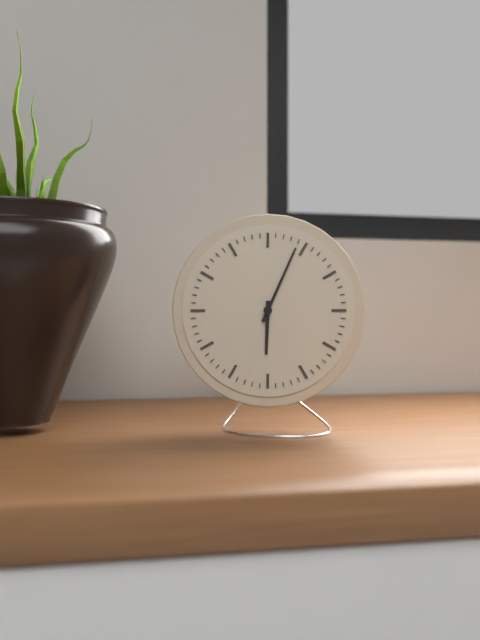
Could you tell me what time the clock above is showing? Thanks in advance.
6:04
